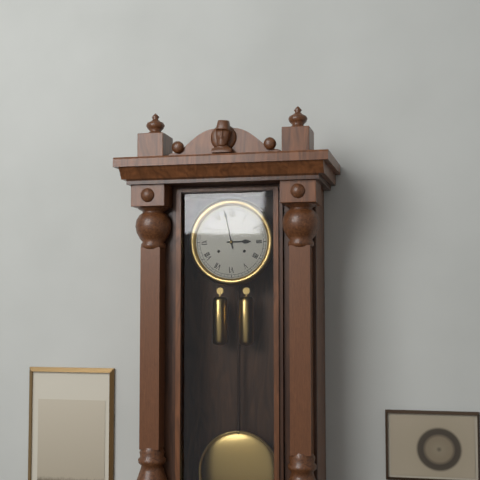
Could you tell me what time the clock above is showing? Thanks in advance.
2:58
